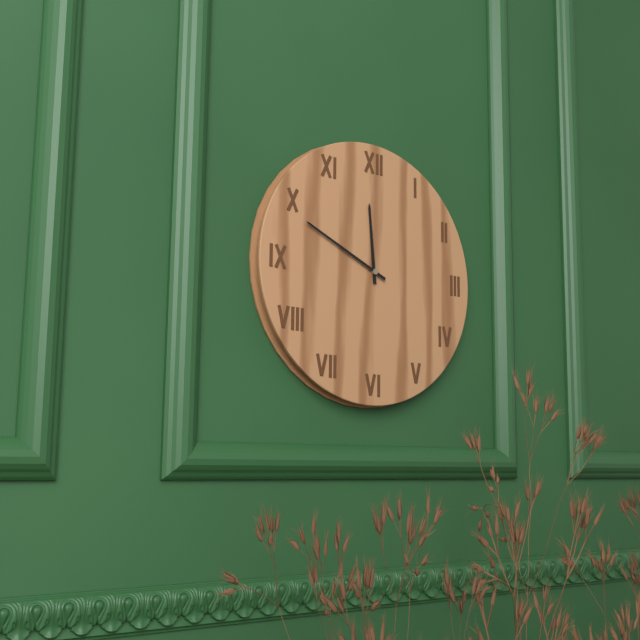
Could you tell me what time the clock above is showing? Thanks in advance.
11:49
